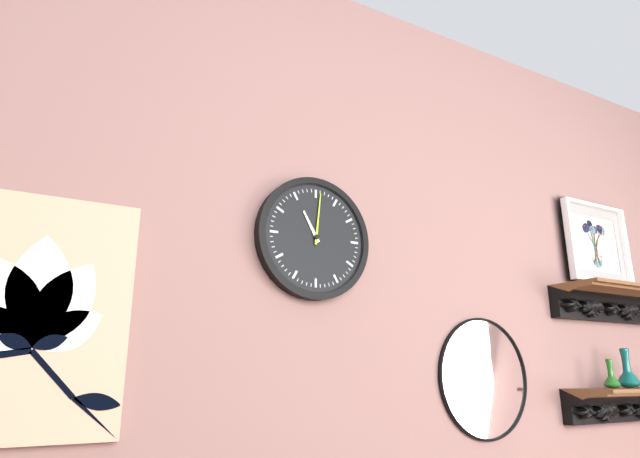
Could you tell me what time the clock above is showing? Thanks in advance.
11:01
